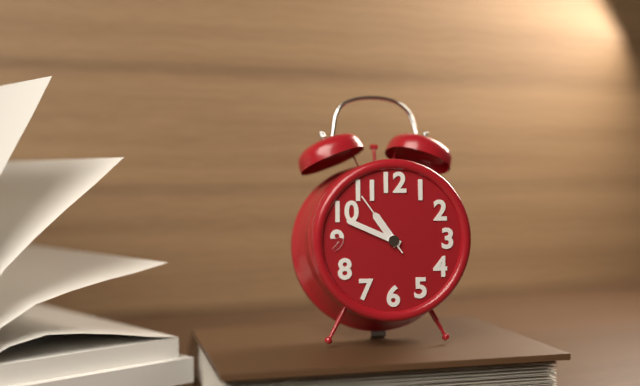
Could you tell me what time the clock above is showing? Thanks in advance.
10:49:54
